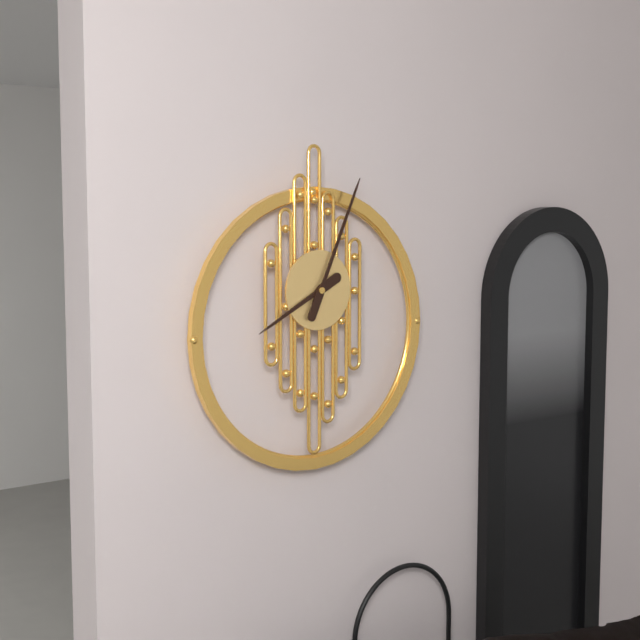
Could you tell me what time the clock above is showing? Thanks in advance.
8:04
